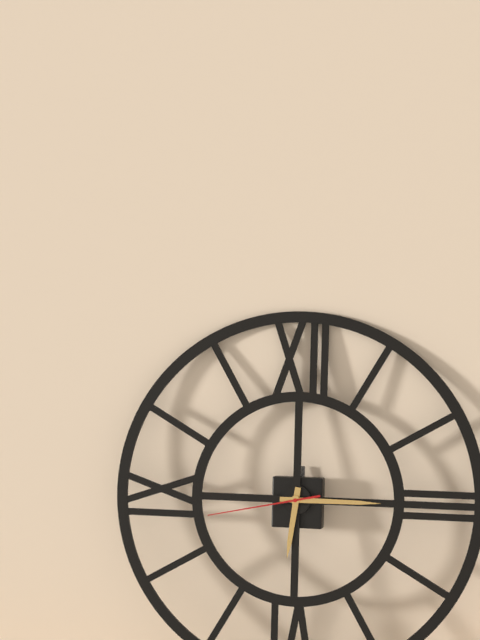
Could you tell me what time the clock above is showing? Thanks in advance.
6:15:43
